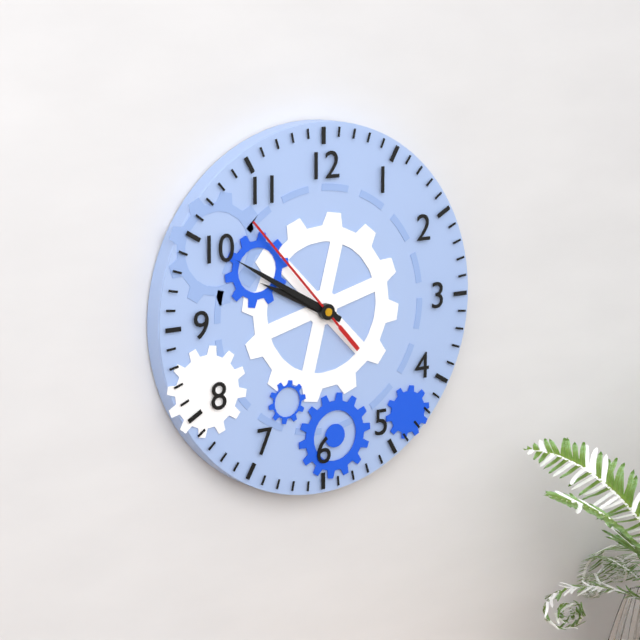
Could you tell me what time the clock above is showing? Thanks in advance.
9:50:53
